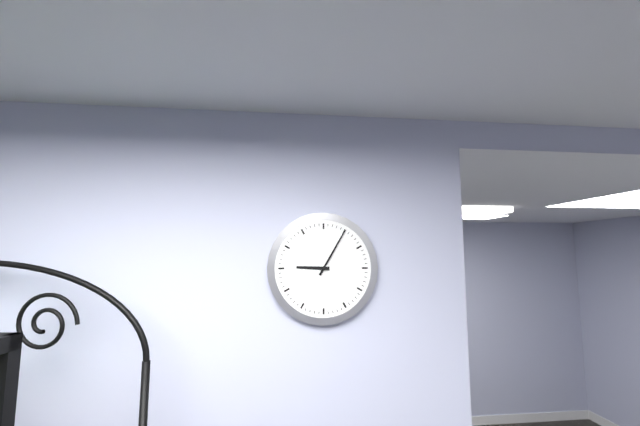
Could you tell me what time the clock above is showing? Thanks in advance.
9:05
